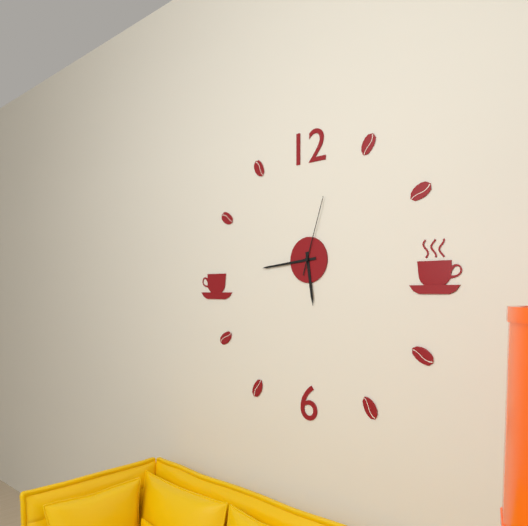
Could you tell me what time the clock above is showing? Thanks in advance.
5:44:03
